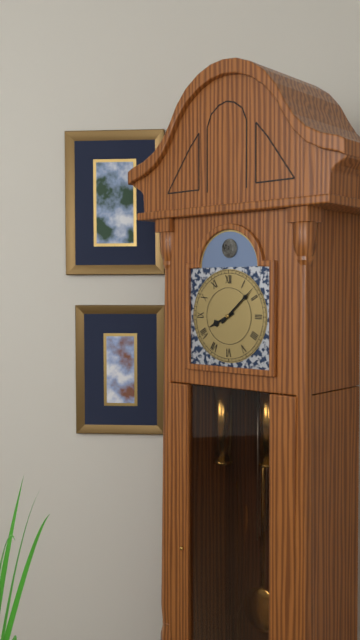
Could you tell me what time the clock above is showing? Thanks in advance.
8:08
